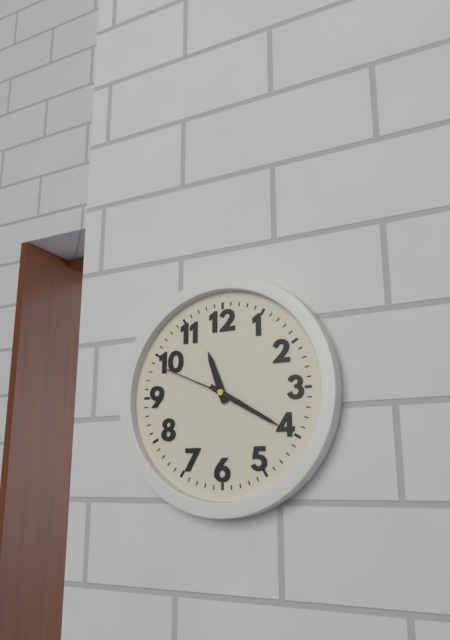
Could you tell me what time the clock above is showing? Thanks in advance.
11:20:49
